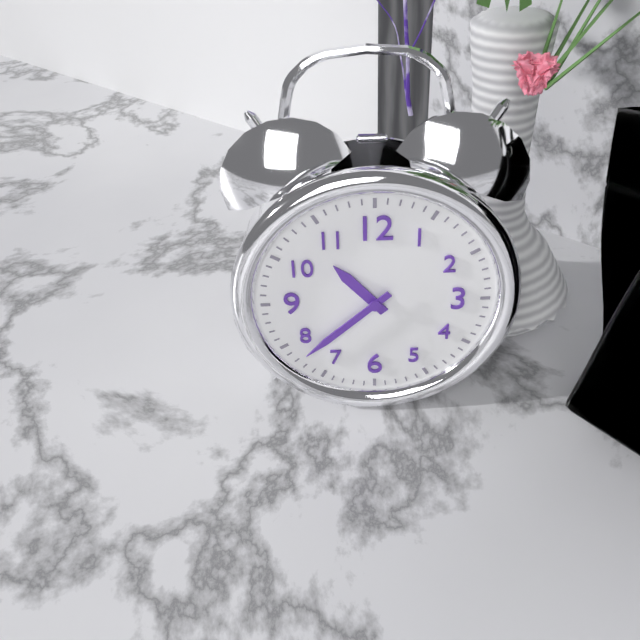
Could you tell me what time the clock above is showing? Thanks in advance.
10:38
